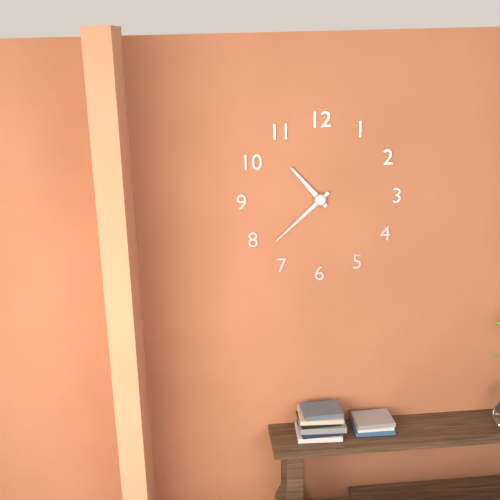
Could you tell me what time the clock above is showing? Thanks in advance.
10:38
